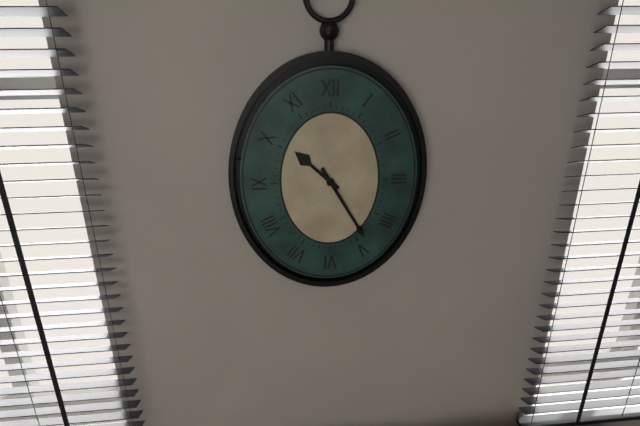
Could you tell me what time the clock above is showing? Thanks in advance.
10:25
